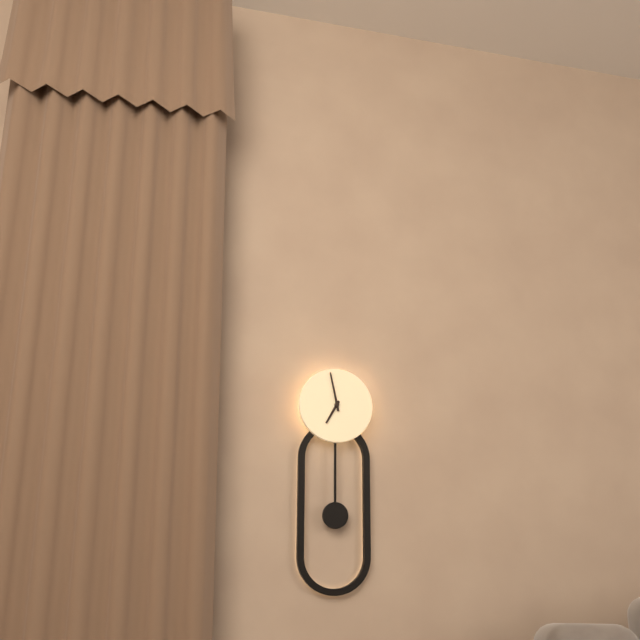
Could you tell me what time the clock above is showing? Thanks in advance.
6:58
